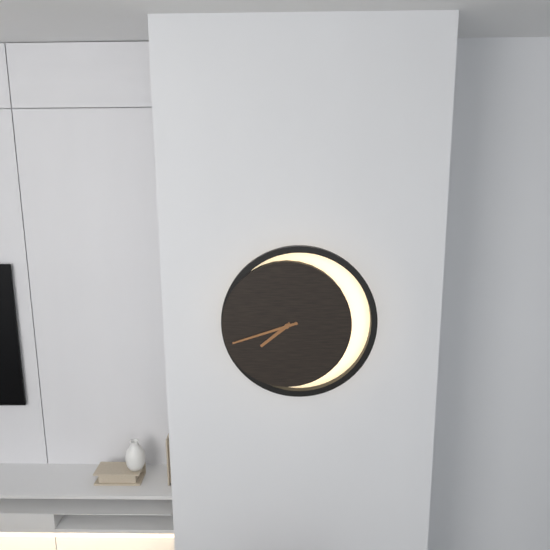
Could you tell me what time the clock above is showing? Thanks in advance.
7:42
